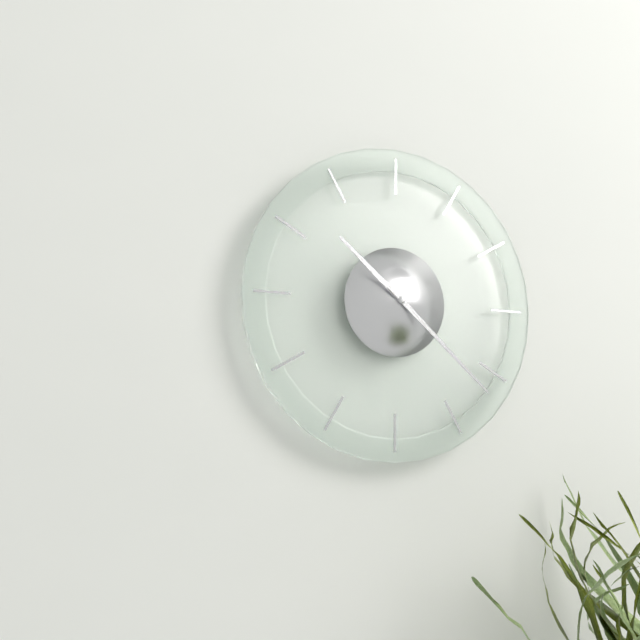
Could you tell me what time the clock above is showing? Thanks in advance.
10:22
